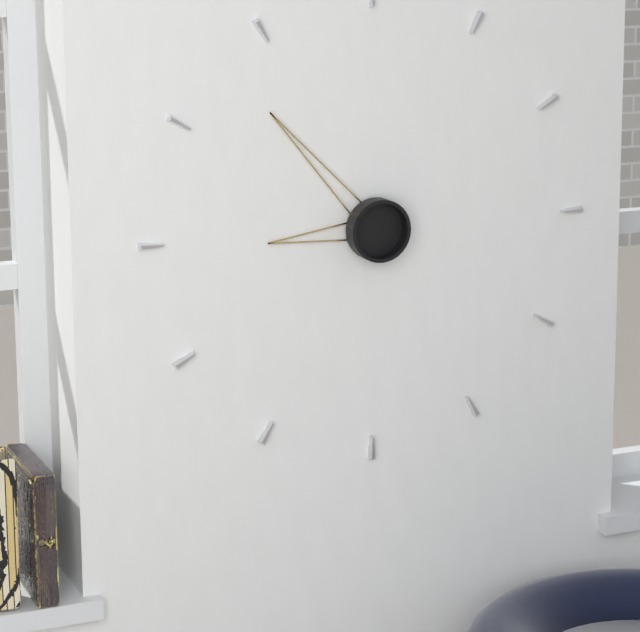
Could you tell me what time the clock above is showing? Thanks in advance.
8:53
